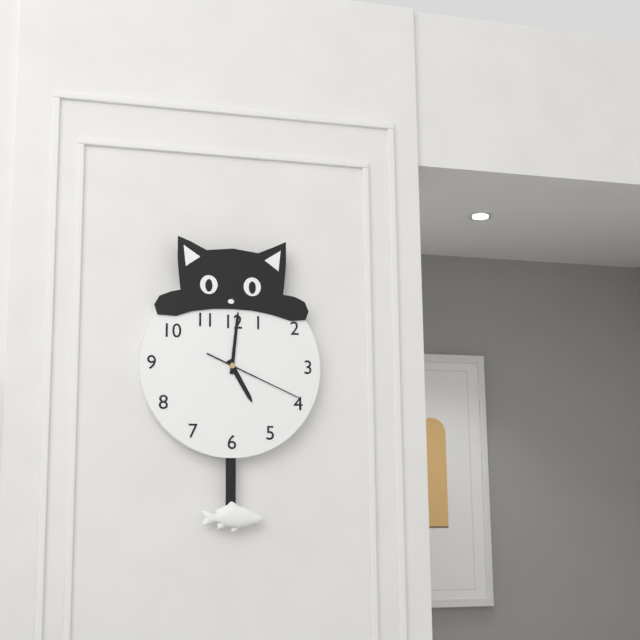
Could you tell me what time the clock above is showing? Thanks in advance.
5:01:19
